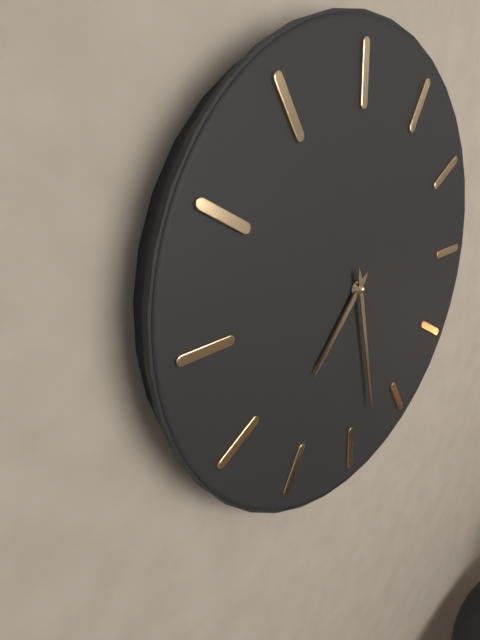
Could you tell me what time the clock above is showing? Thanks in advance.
7:28
